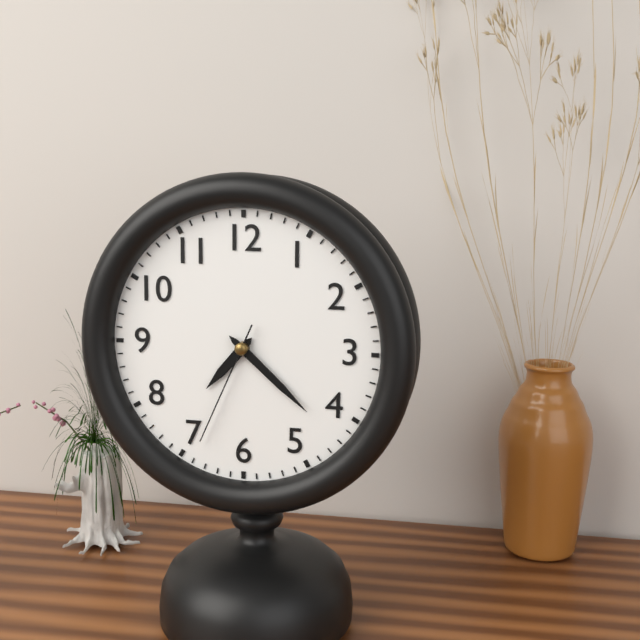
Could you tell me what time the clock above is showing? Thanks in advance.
7:22:34
